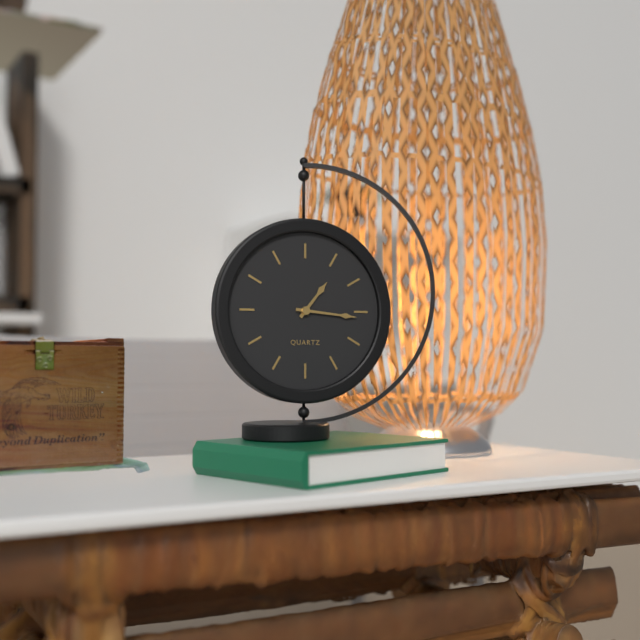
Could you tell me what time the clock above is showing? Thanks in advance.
1:16
